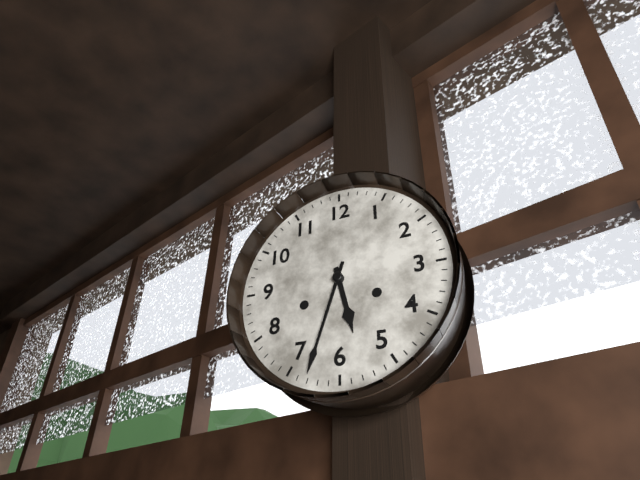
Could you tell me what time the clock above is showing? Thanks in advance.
5:33
